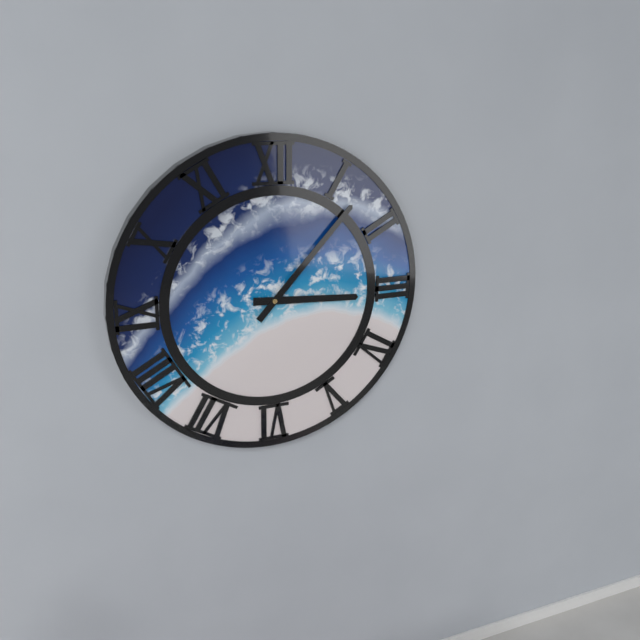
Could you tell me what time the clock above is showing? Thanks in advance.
3:07
